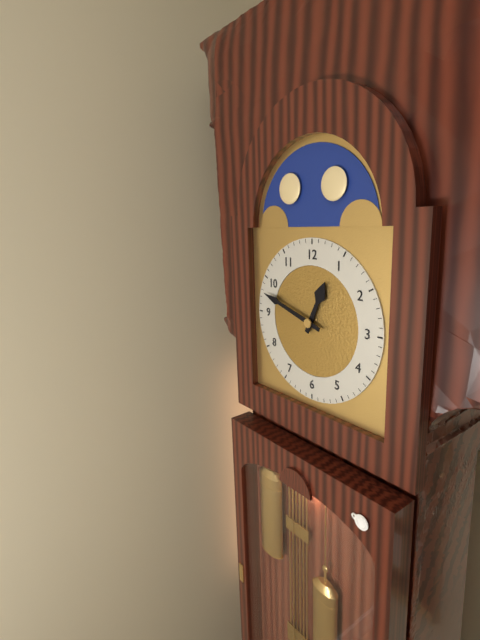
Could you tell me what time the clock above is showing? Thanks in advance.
12:48
